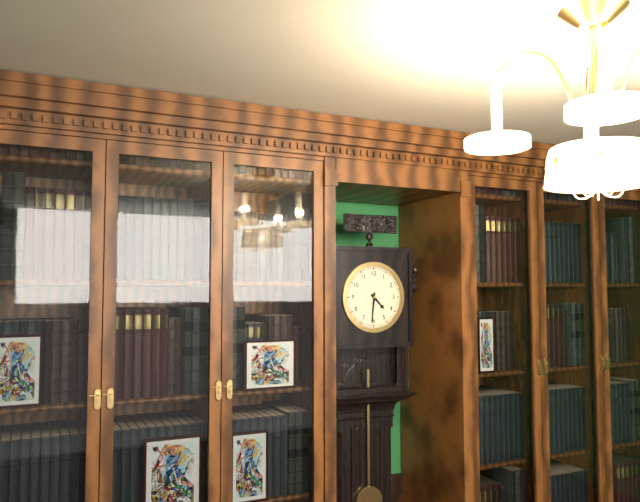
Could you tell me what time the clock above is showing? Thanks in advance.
4:31
